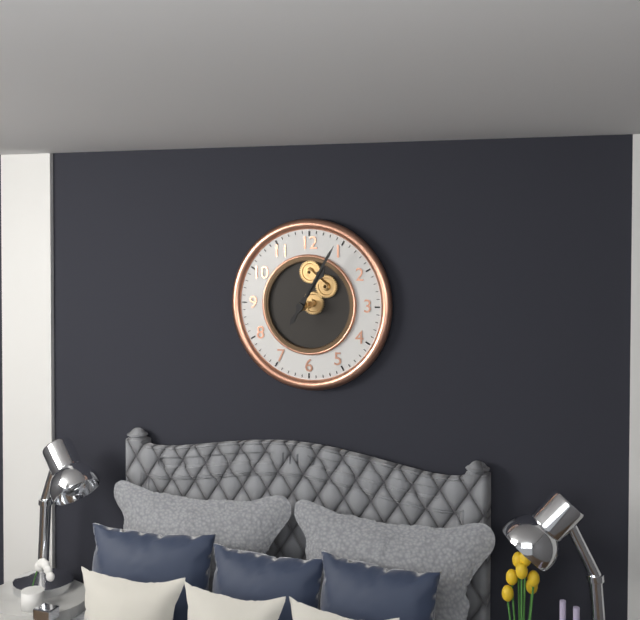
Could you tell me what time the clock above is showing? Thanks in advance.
1:05
